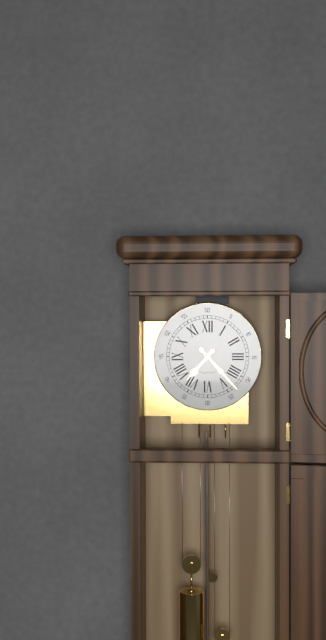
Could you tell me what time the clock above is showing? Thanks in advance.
7:23
